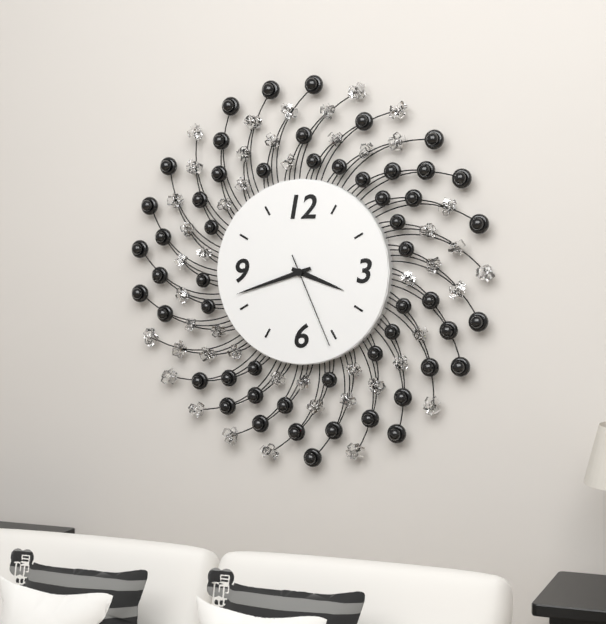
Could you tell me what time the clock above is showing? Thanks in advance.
3:42:26
